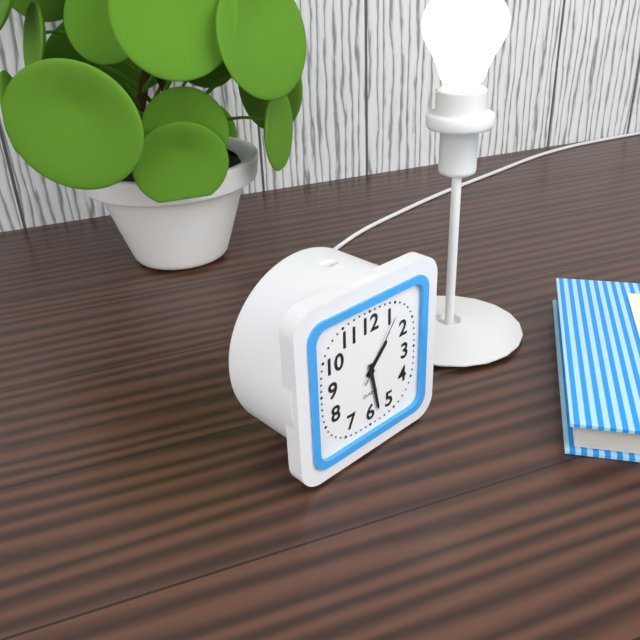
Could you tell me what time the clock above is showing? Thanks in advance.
1:28:06
